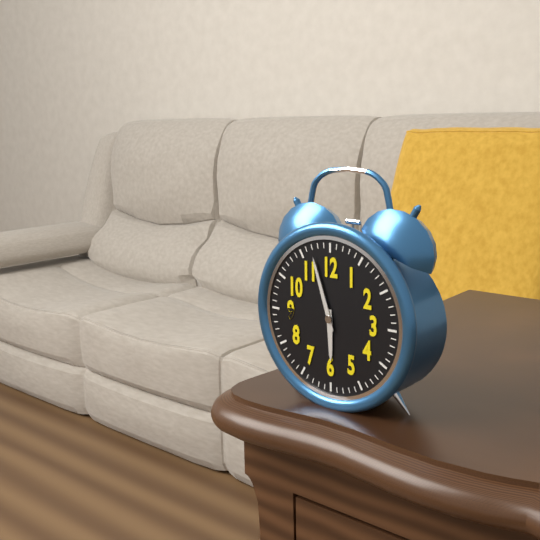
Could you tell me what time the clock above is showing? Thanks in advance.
5:57
